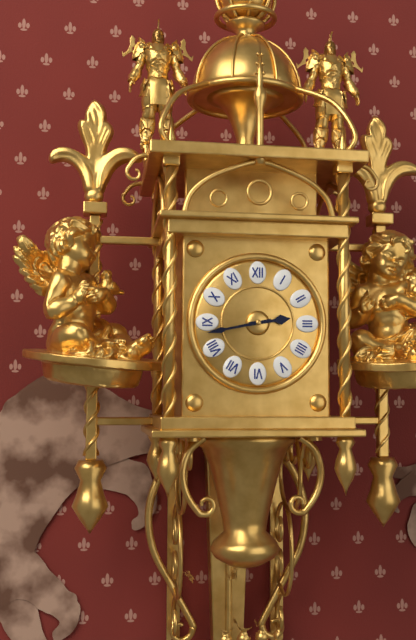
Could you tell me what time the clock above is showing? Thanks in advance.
2:43
